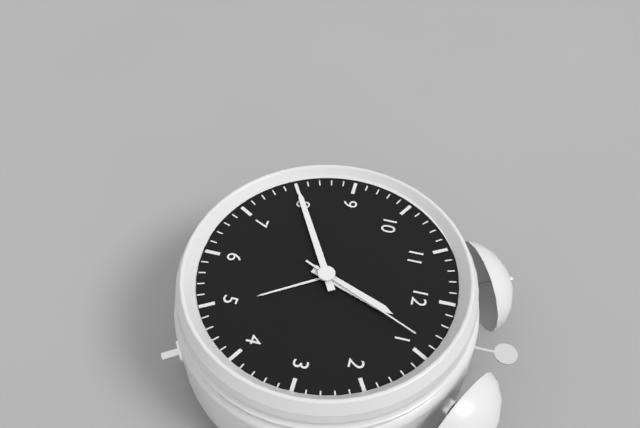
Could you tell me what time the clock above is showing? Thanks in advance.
12:40:04
